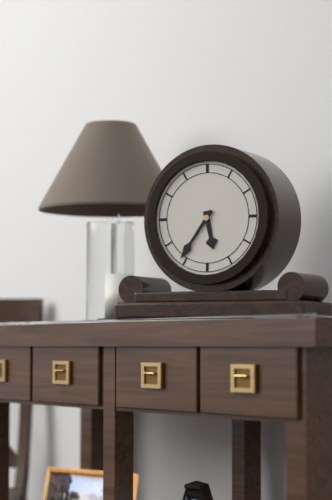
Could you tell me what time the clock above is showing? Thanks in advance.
5:36
